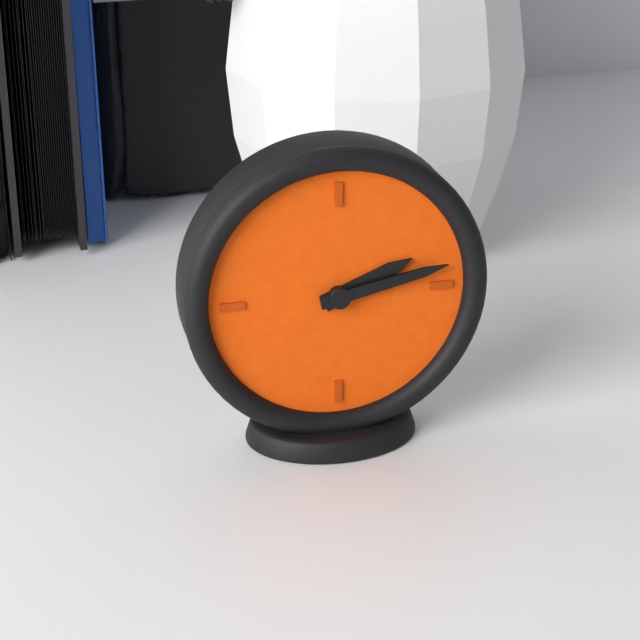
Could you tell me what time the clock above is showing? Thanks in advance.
2:13
